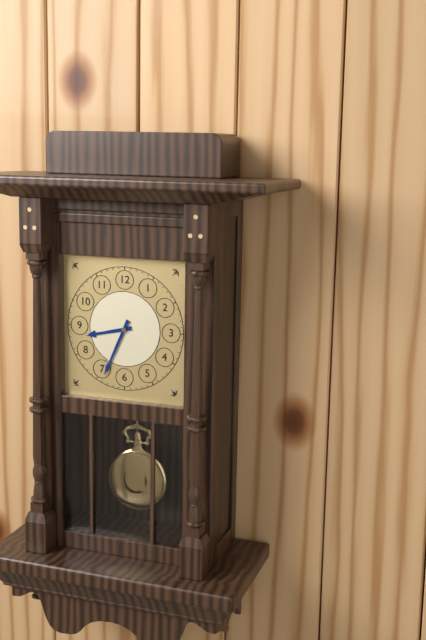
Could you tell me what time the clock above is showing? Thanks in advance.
8:34
